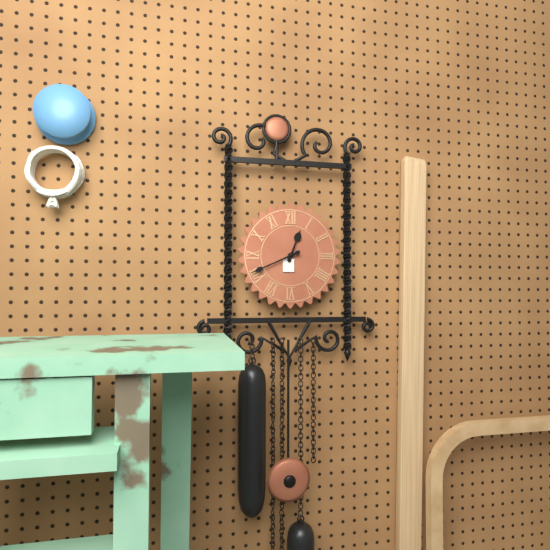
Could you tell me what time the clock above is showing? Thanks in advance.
12:41
